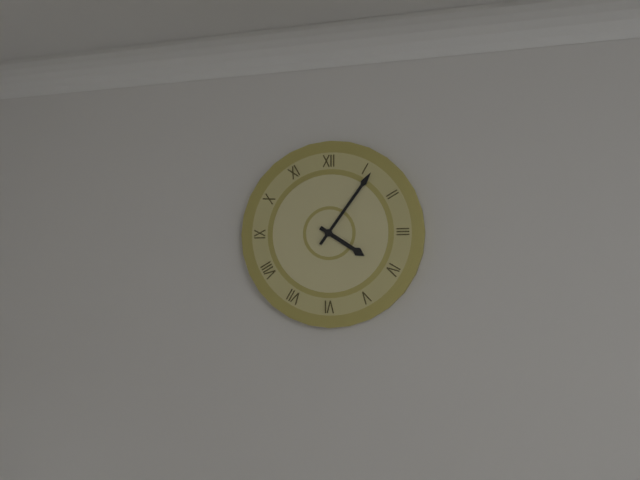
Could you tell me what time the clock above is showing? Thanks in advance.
4:06
